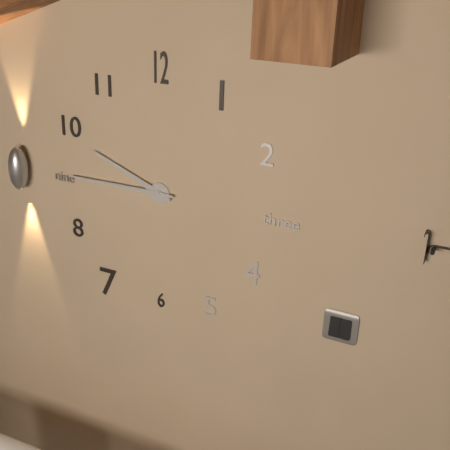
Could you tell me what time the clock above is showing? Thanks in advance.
9:45
